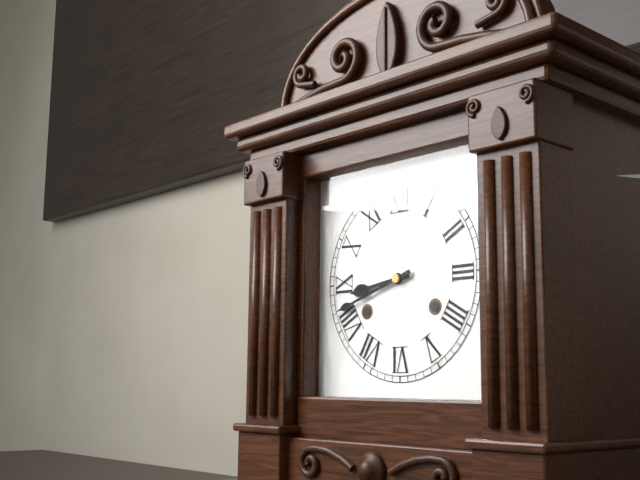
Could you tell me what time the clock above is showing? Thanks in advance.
8:42
